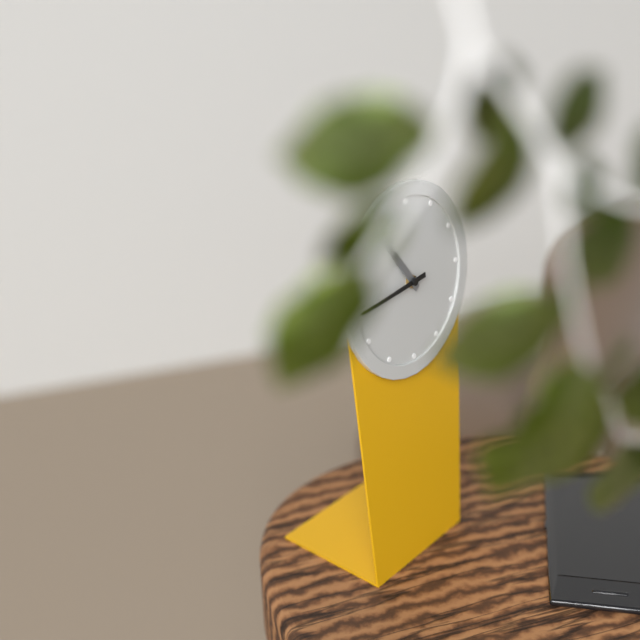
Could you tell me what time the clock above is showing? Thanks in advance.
10:44
